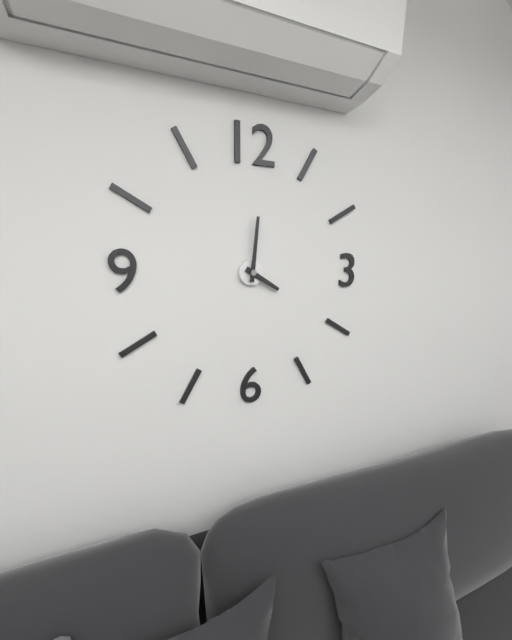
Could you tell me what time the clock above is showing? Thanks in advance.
4:01
